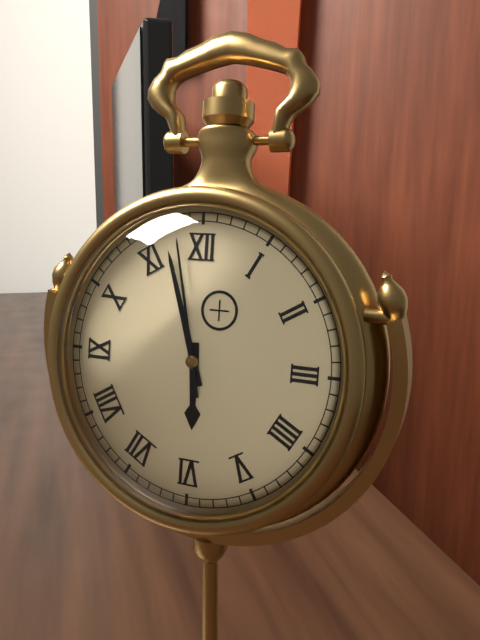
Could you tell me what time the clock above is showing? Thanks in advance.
5:57:58
